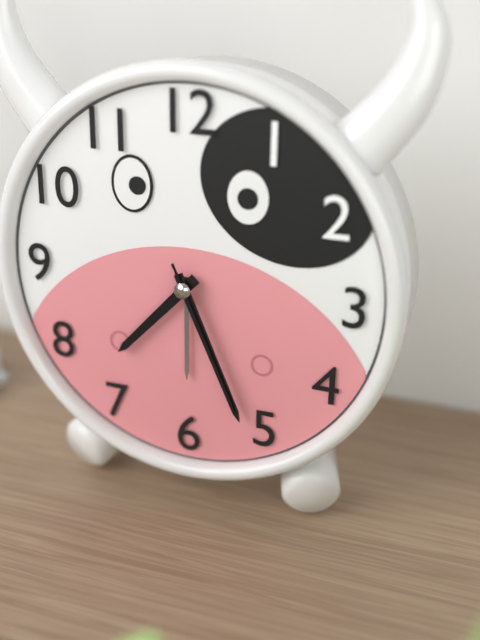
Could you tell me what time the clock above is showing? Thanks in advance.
7:26:26
